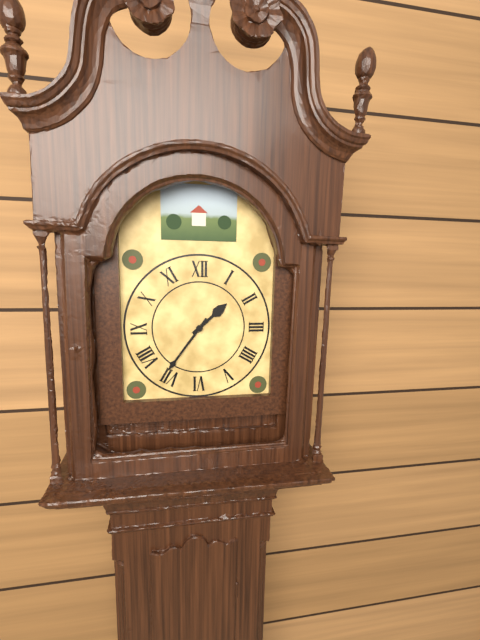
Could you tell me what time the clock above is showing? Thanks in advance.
1:36
